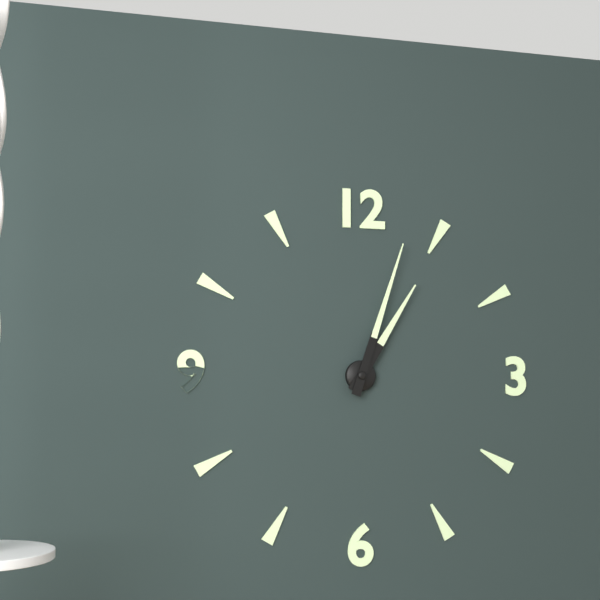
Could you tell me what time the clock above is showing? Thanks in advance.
1:03
